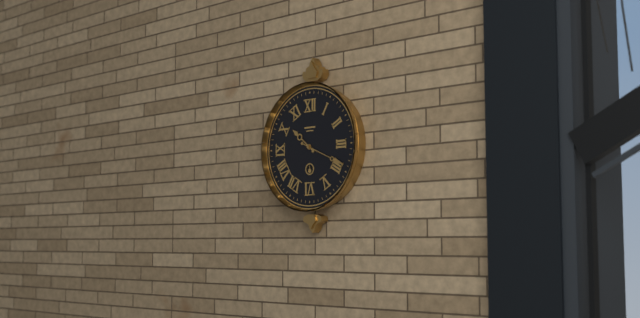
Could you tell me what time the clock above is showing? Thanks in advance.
10:19
